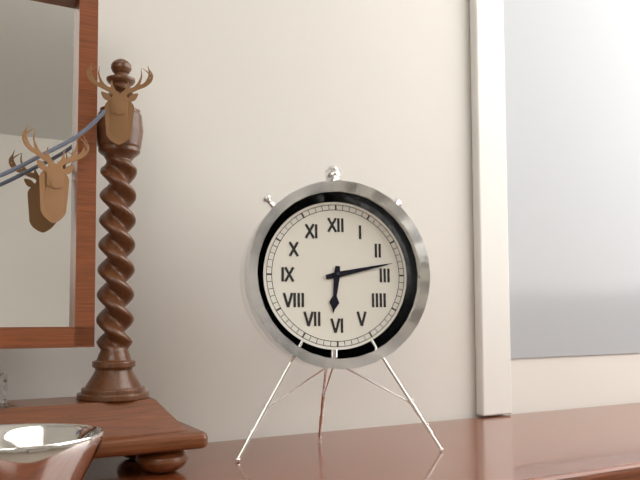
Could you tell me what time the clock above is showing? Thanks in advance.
6:13
